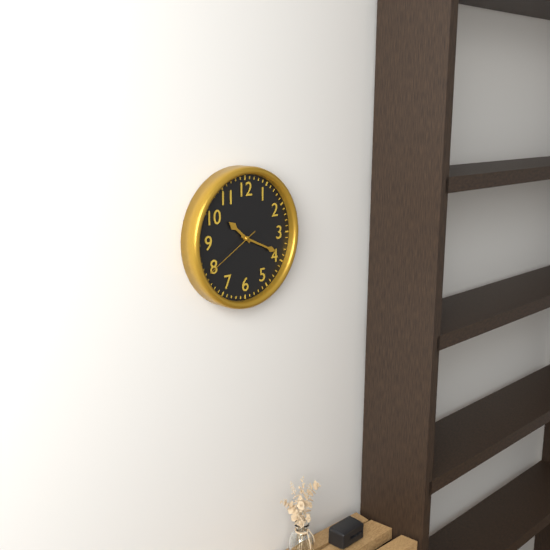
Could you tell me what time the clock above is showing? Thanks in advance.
10:19:40
